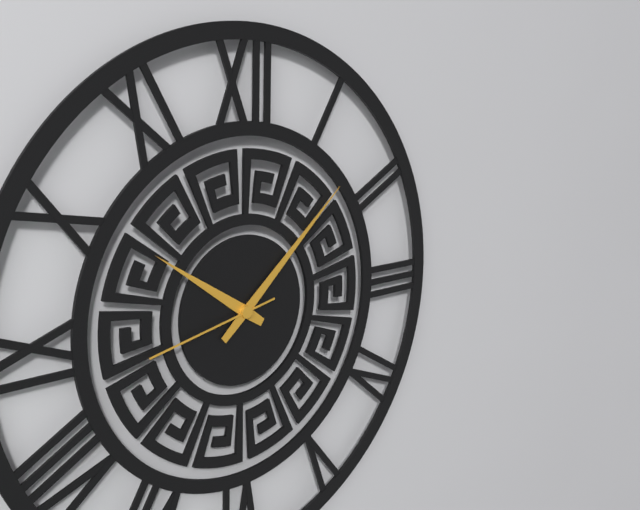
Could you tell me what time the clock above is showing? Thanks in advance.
10:08:43
